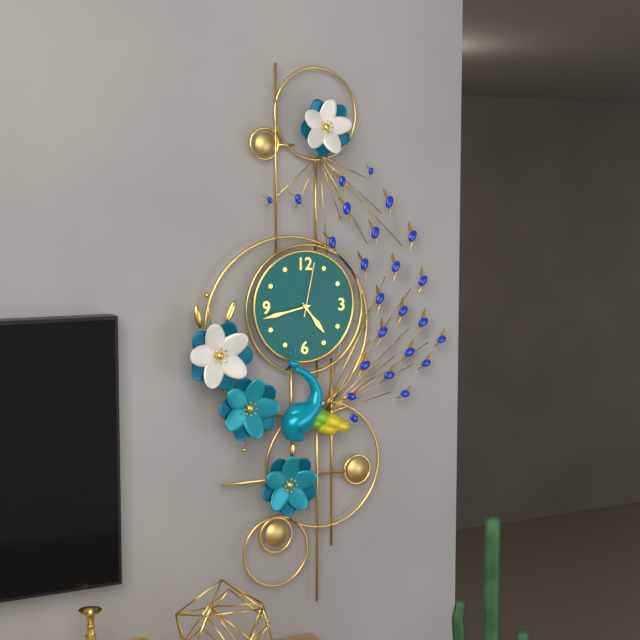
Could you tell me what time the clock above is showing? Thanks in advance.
4:43:02
